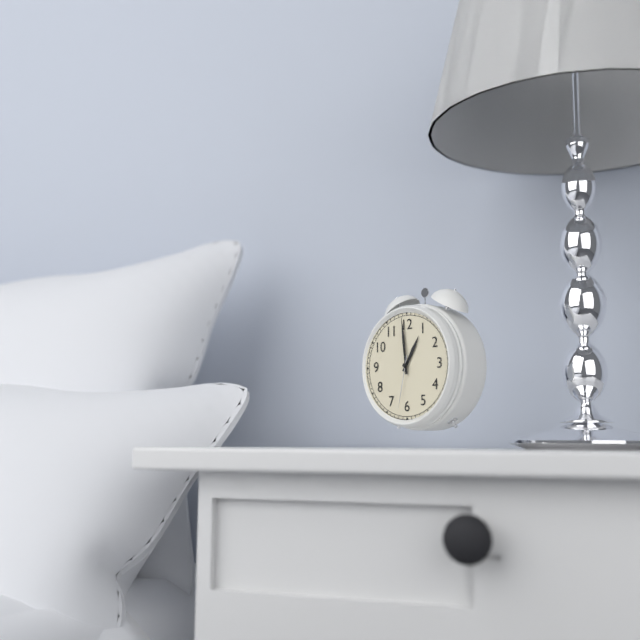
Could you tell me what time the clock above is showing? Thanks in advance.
12:59:32
